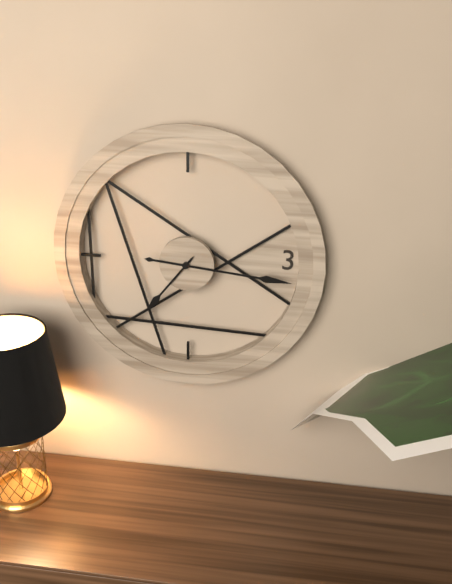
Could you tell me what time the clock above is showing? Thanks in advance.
7:16
